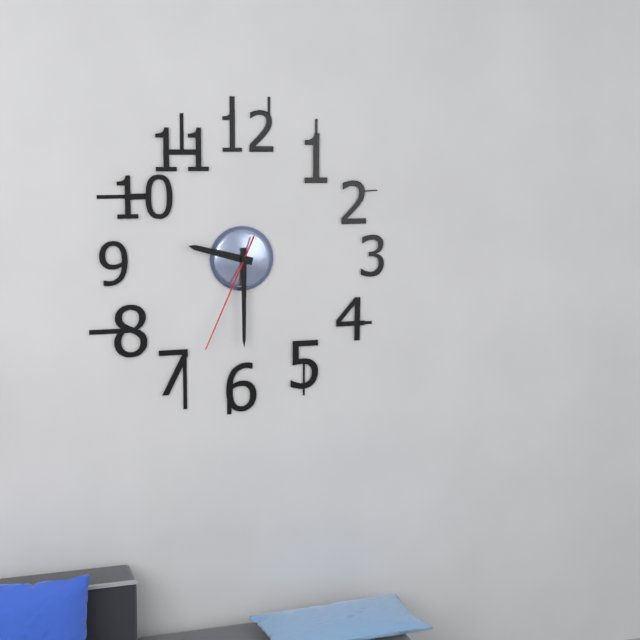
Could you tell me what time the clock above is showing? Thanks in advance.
9:30:34
